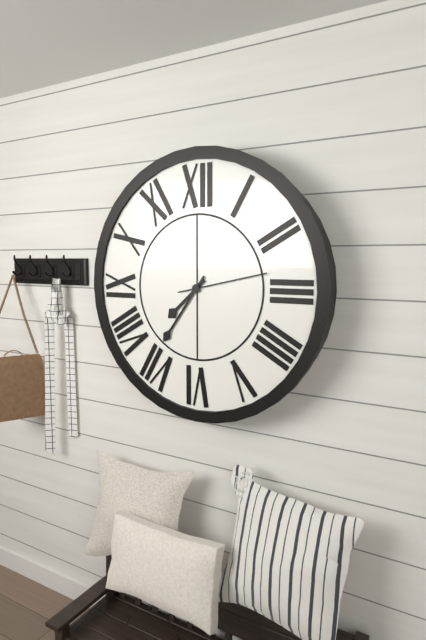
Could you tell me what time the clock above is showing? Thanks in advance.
7:36:13
